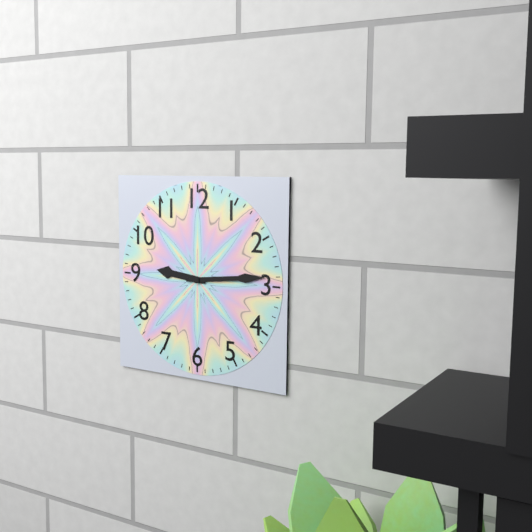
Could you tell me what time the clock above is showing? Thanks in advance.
9:14
